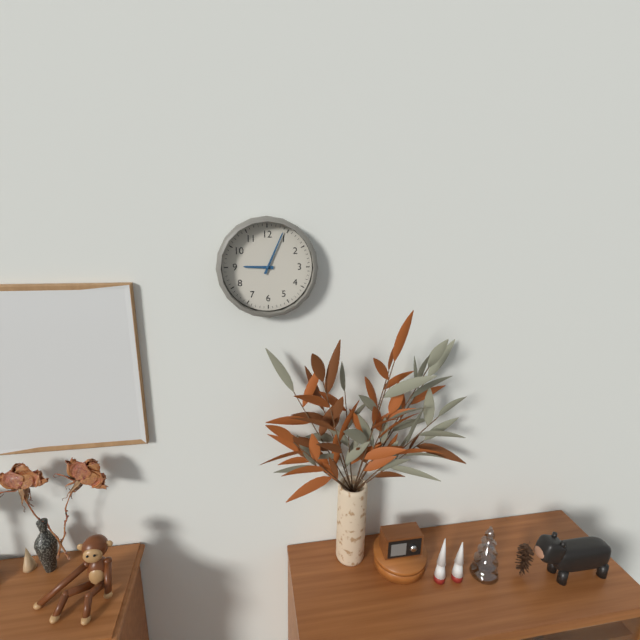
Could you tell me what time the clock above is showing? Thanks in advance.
9:04
